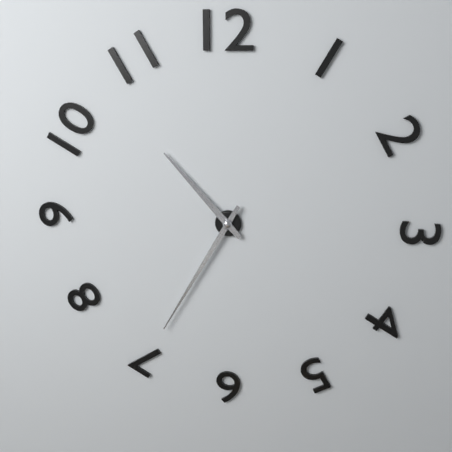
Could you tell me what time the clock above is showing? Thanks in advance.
10:35
